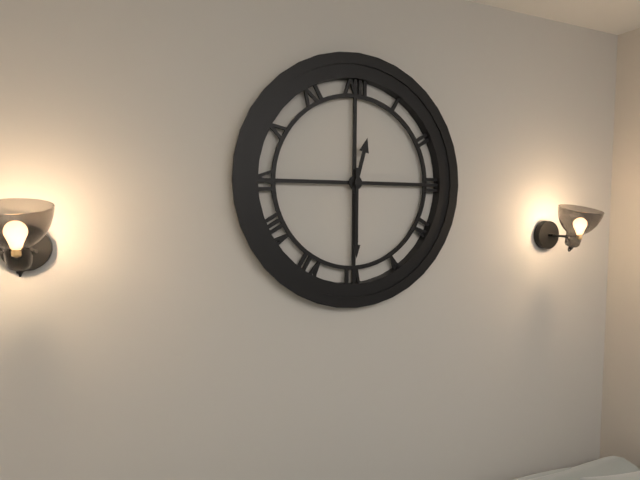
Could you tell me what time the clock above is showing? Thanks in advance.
12:30
